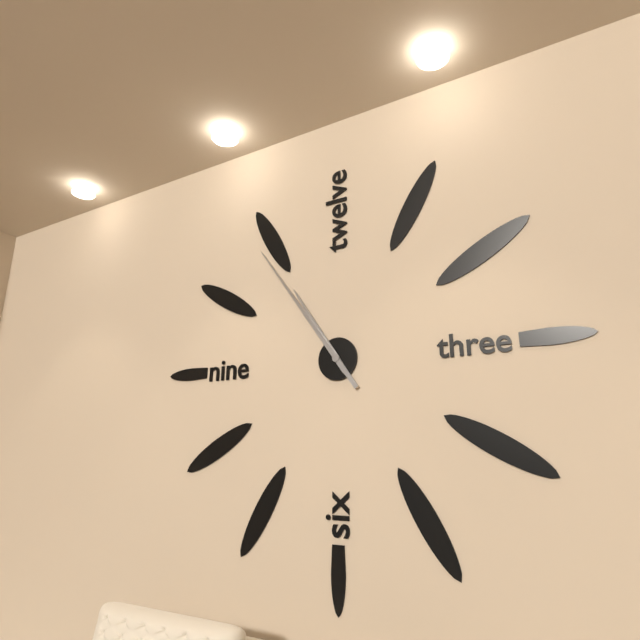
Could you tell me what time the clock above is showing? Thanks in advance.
10:54
